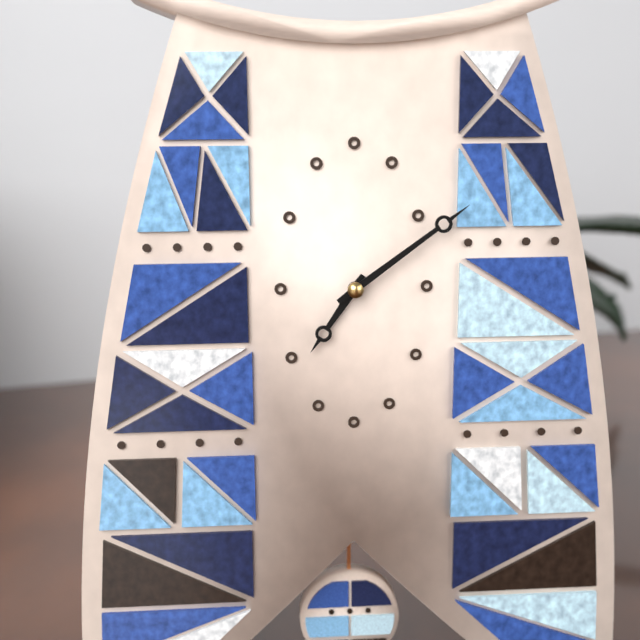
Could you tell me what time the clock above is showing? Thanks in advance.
7:09
